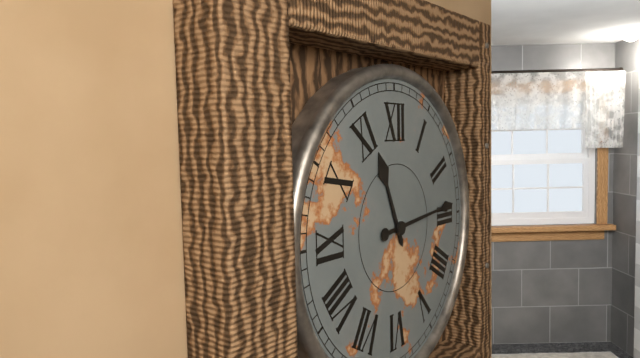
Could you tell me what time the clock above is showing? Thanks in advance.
11:14
